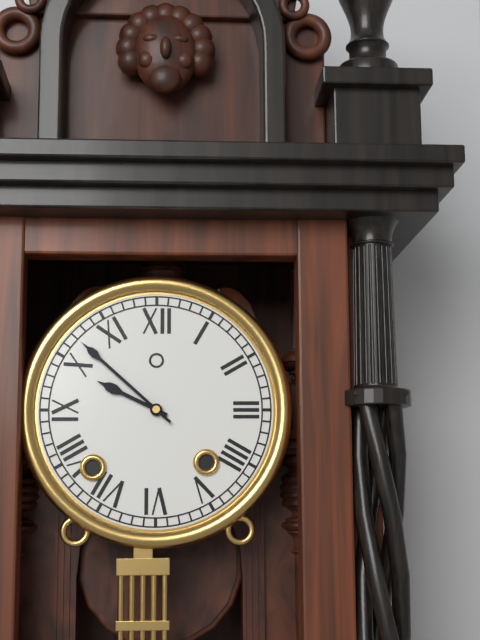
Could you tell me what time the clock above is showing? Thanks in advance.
9:52
